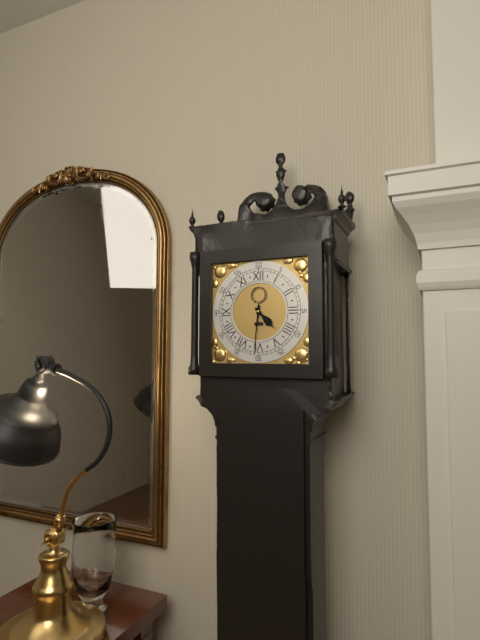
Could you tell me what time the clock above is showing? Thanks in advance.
4:31
